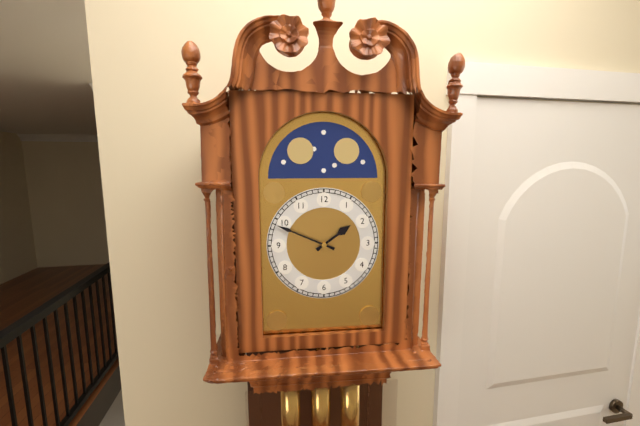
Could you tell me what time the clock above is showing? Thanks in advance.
1:49
